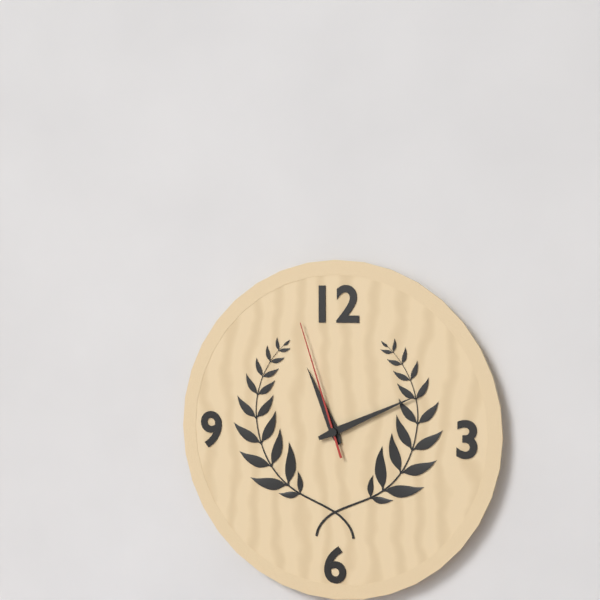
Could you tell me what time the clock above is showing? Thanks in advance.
11:11:57
